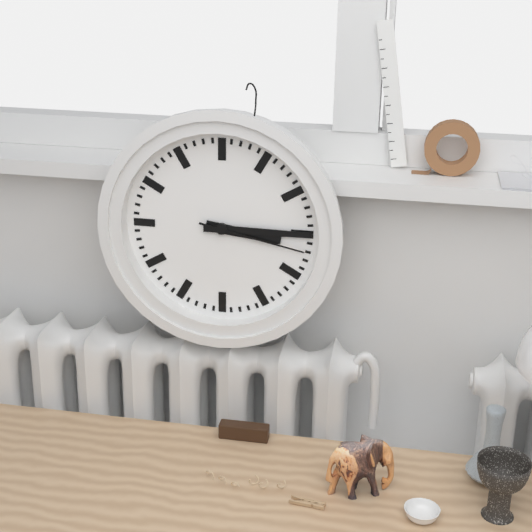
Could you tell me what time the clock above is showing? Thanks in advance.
3:15:17
